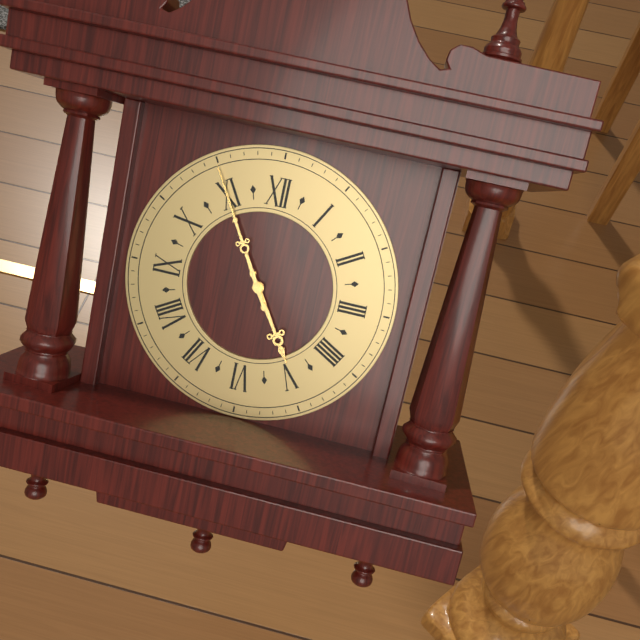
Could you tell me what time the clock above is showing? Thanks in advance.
4:55
